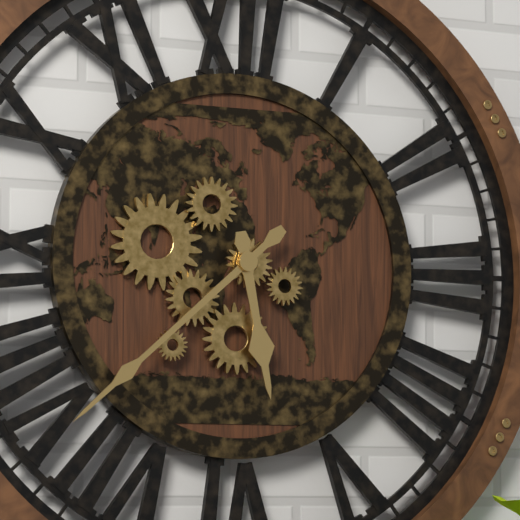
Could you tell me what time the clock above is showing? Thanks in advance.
5:38
